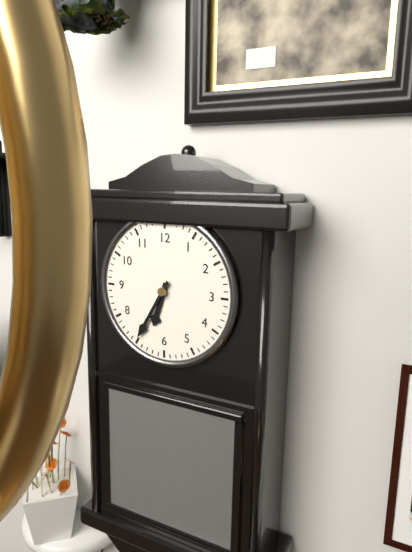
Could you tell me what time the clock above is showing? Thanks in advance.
6:35
